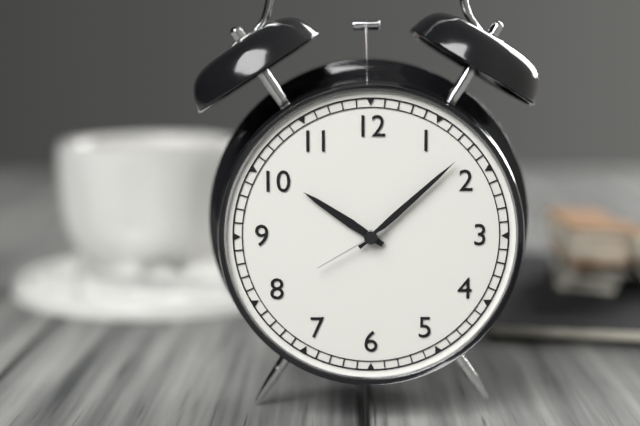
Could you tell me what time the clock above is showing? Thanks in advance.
10:08:40
